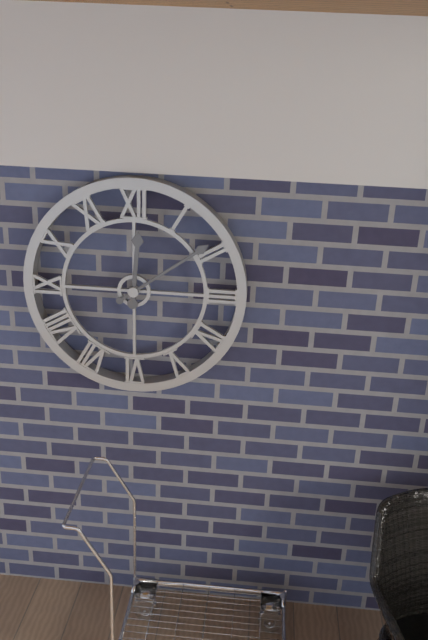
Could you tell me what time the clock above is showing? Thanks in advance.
12:09
